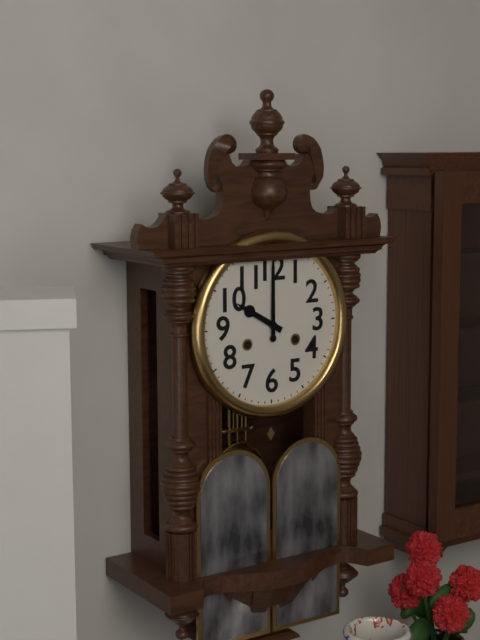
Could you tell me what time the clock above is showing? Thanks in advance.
10:00
